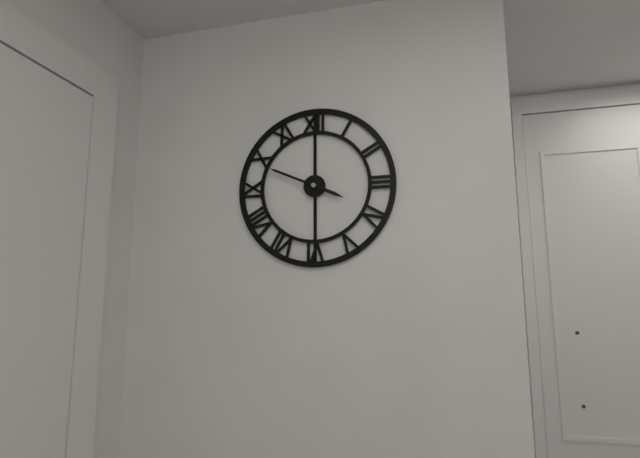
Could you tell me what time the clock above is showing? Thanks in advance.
3:49
